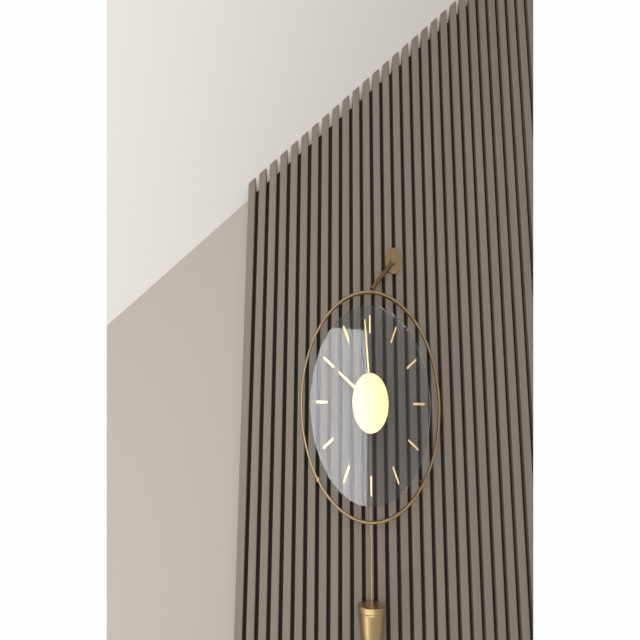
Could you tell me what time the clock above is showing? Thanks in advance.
9:59
